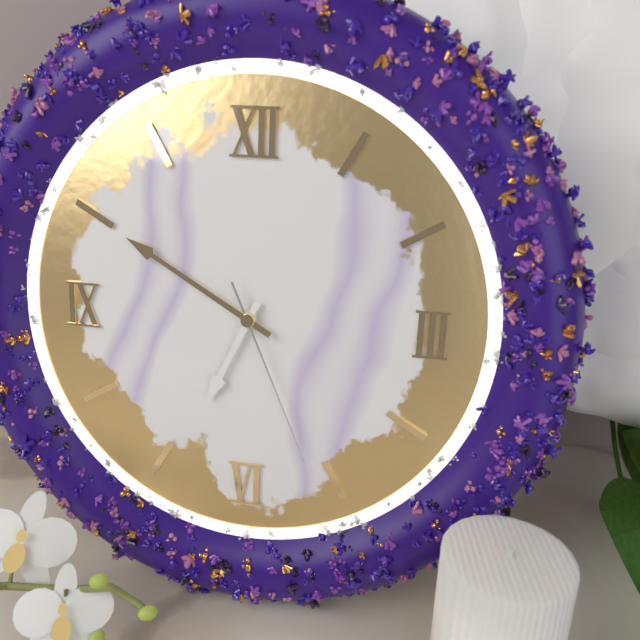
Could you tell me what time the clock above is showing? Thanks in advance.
6:50:26
